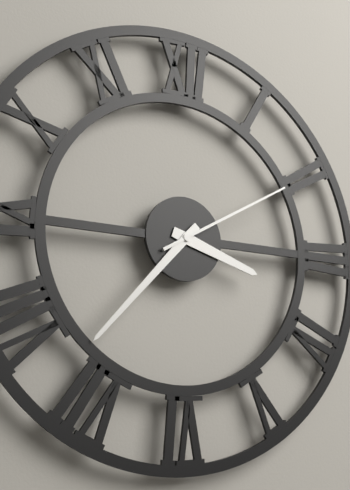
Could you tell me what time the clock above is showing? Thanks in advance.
3:37:10
